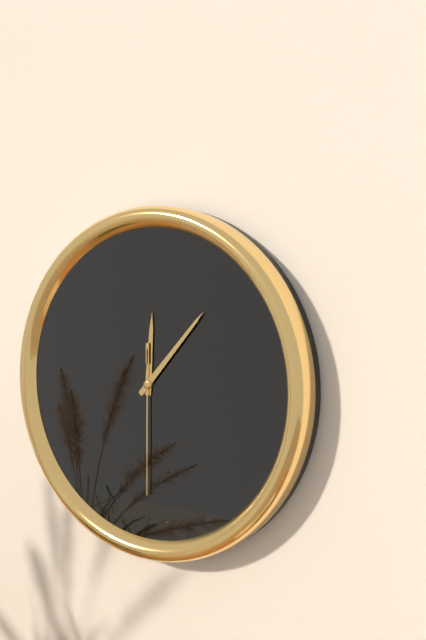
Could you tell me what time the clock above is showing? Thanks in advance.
12:07:30
